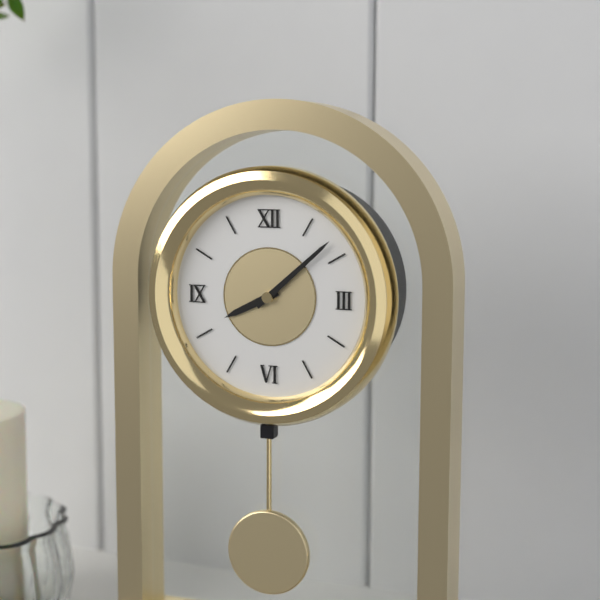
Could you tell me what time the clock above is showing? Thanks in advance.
8:08
